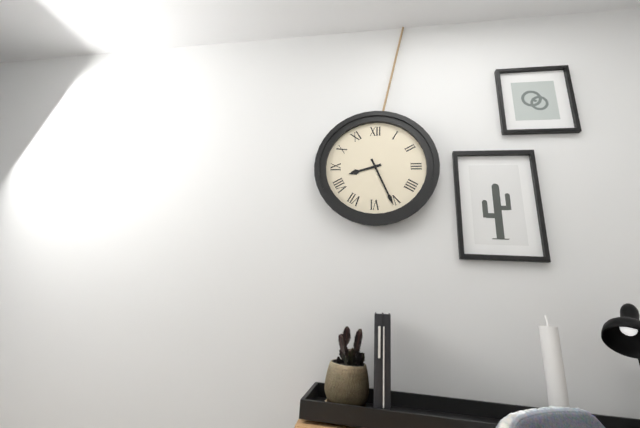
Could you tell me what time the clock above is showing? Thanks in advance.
8:26
